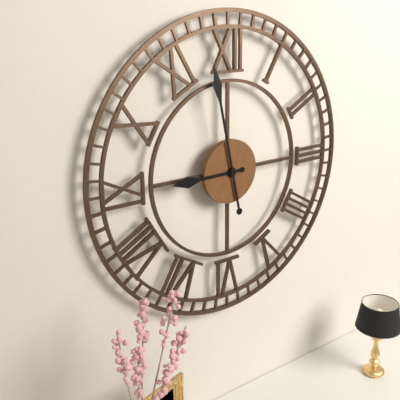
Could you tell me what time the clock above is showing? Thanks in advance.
8:58
